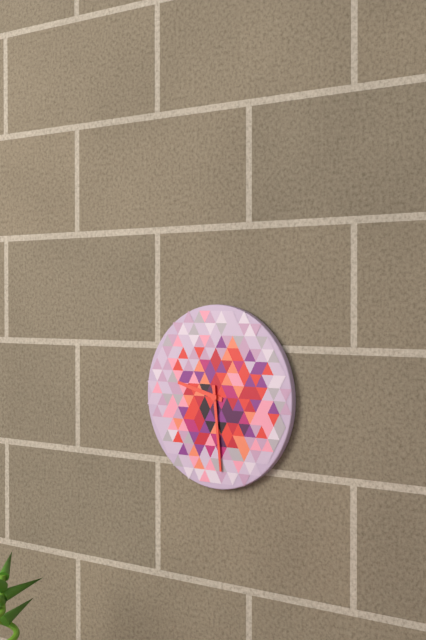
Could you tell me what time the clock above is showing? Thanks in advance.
9:29
